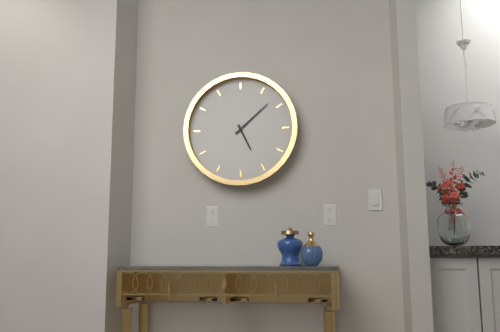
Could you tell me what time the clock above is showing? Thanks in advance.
5:08
